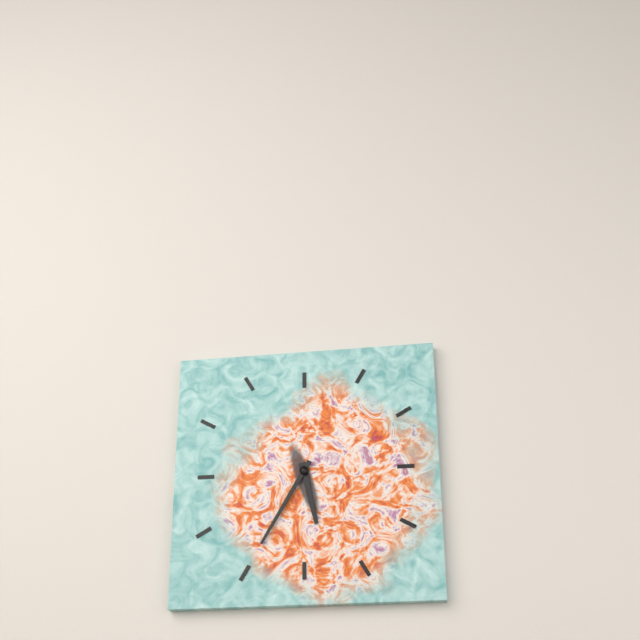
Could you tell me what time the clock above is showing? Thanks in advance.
5:35
